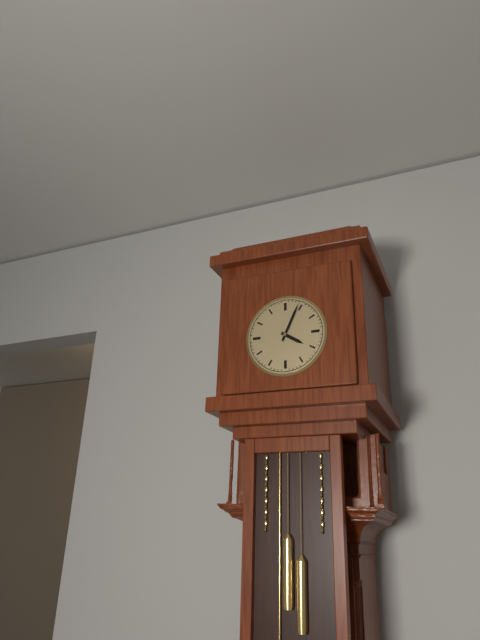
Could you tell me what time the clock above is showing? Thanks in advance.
4:04
